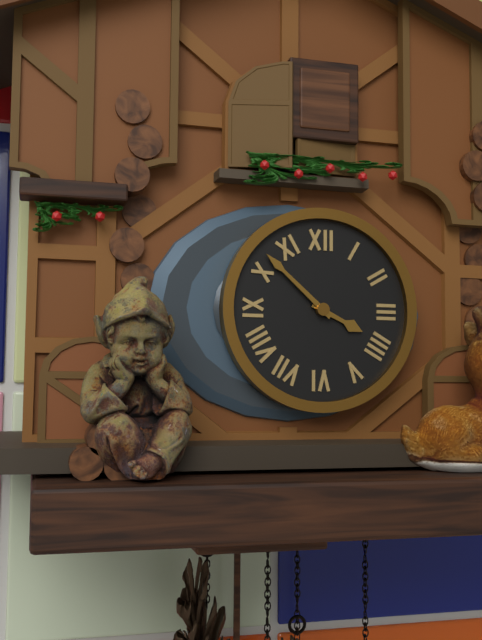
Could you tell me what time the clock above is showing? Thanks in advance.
3:52
